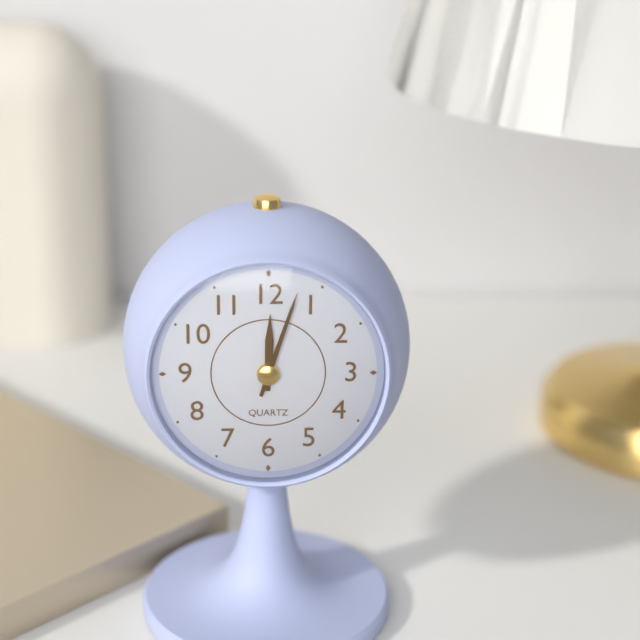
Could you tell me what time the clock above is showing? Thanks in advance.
12:03
